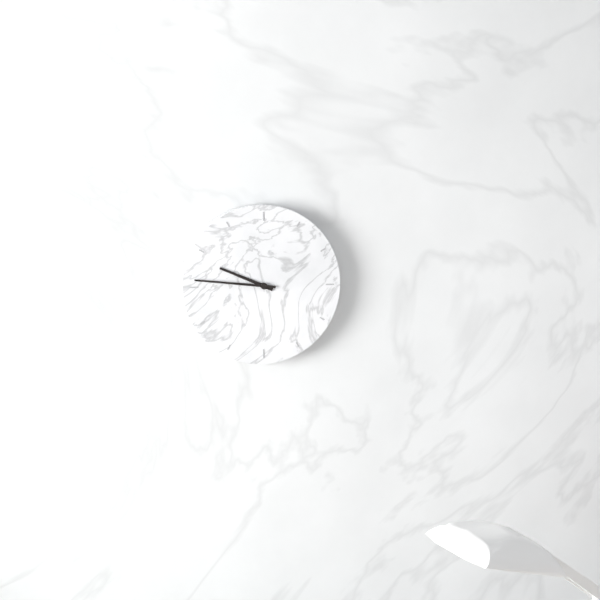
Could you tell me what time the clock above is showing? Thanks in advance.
9:46
